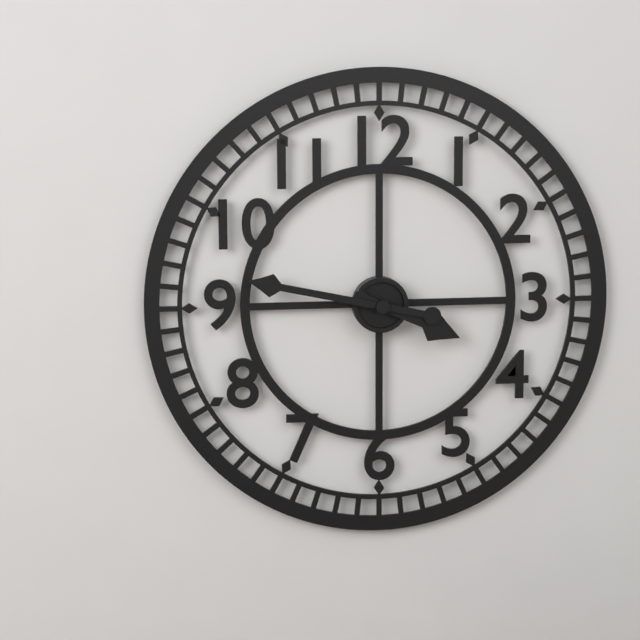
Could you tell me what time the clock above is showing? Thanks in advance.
3:47
